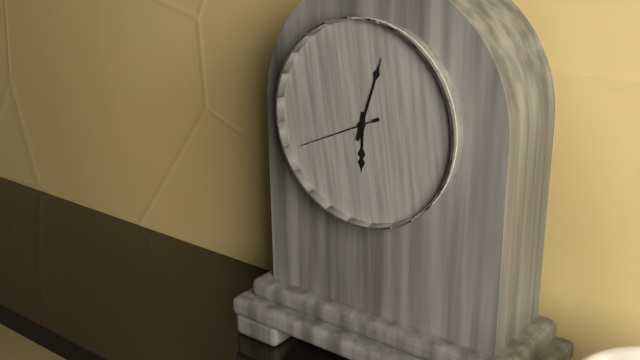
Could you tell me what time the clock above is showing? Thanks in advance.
6:03:41
